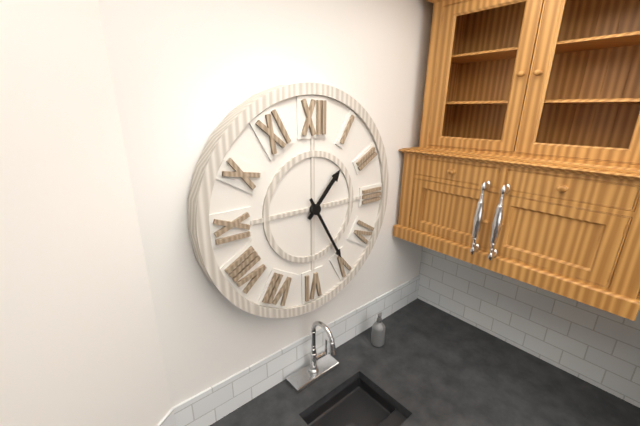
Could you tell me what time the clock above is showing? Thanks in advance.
1:25
